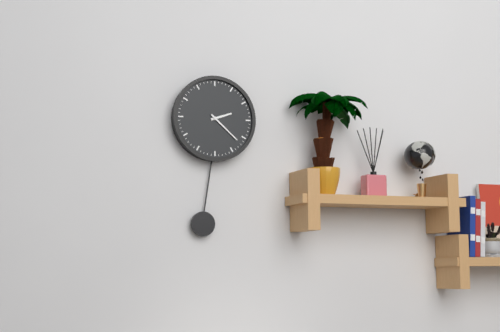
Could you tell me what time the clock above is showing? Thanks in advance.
2:22
